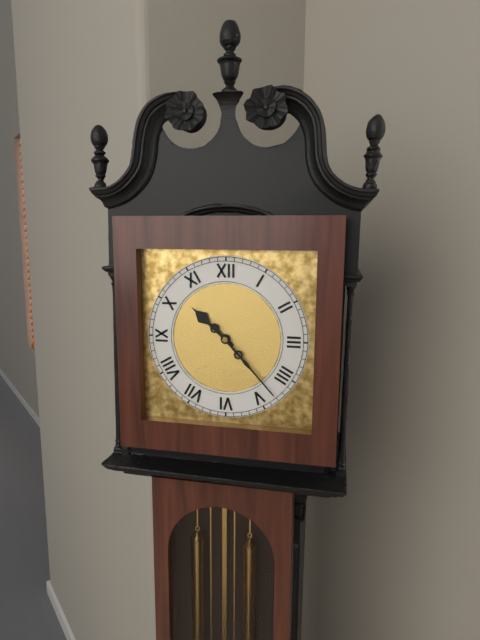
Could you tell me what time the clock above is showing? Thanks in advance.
10:23
